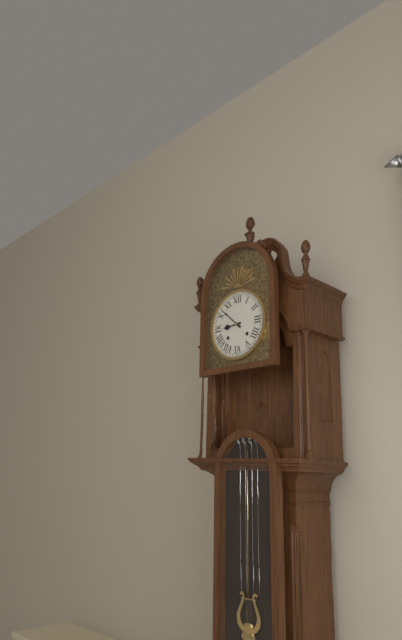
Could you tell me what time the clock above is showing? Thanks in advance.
8:52
